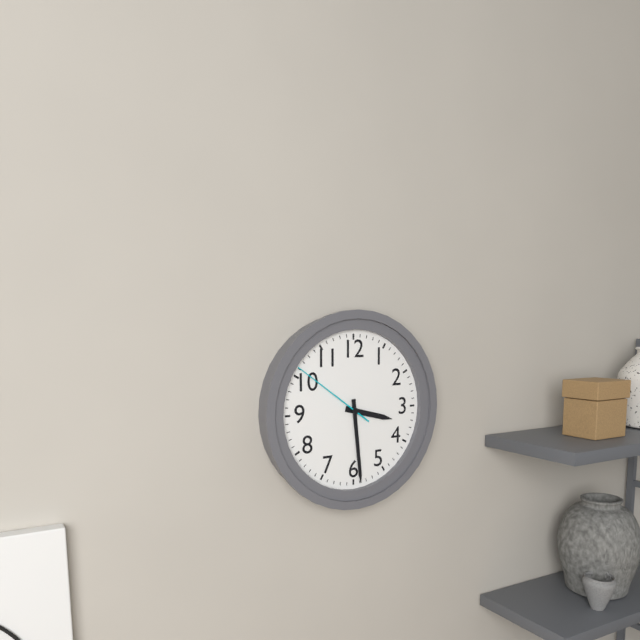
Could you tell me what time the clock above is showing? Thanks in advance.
3:29:51
